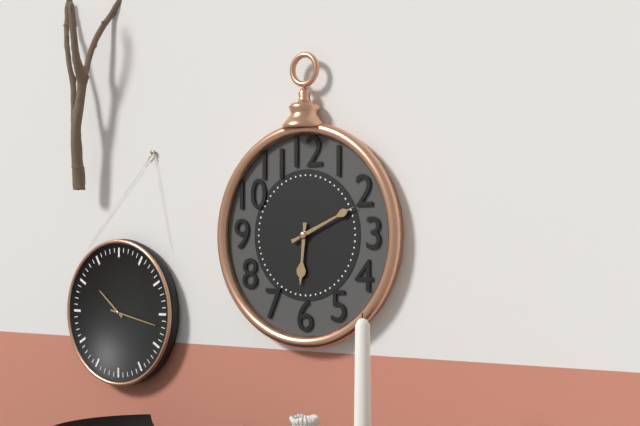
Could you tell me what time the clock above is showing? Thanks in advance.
6:11
